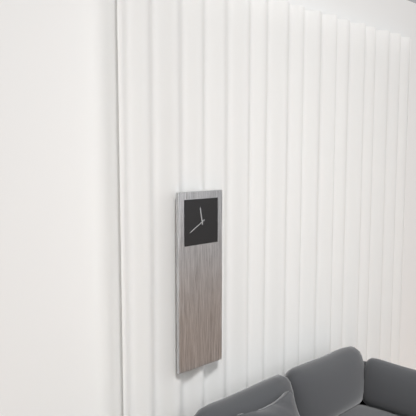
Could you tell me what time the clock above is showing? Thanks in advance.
11:40
